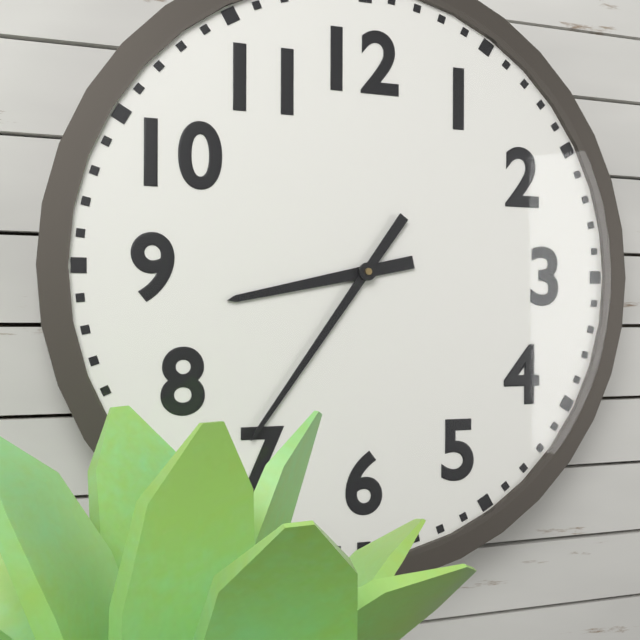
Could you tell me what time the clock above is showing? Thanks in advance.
8:36
